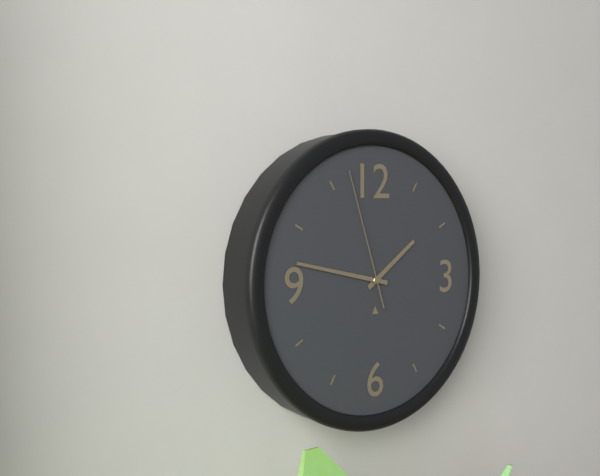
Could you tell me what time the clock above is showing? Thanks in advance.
1:47:57
